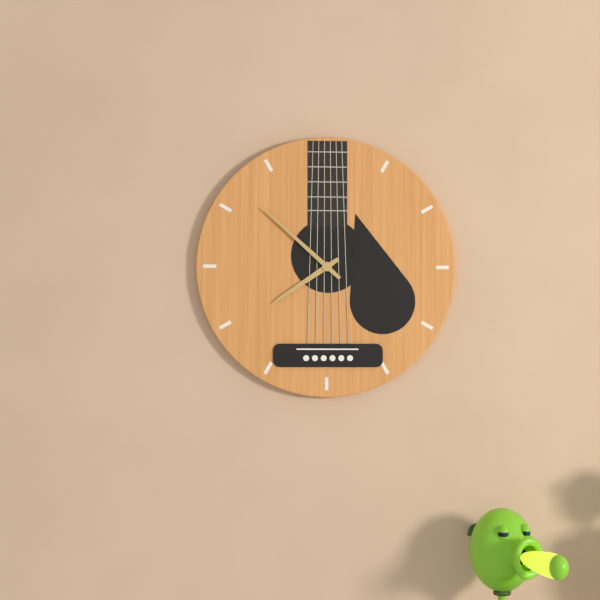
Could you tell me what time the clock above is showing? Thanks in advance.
7:52
